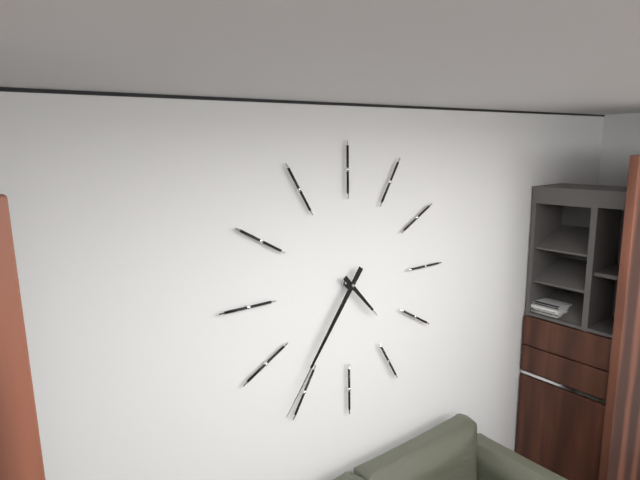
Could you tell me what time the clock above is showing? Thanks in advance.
4:36
